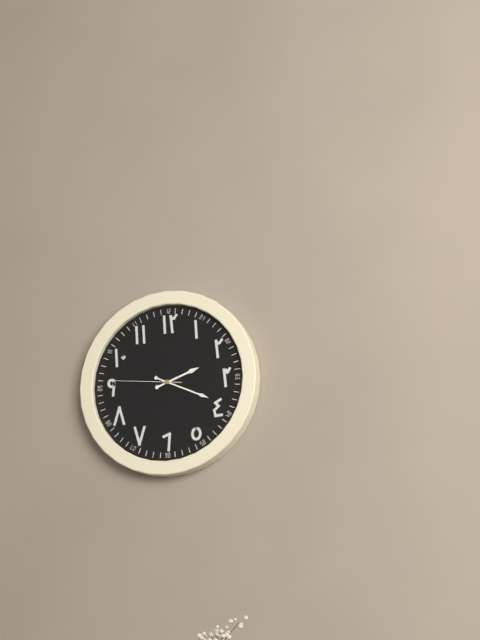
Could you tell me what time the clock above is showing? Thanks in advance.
2:19:46
